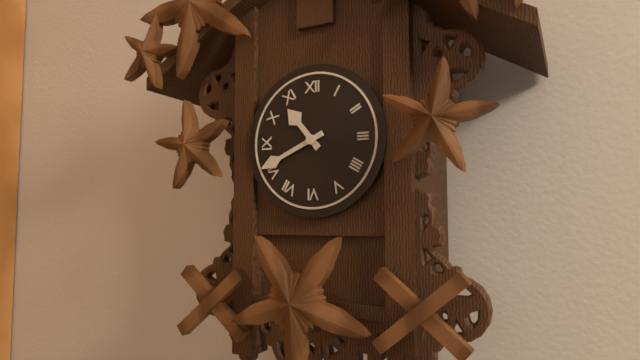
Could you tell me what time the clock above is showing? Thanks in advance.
10:41
